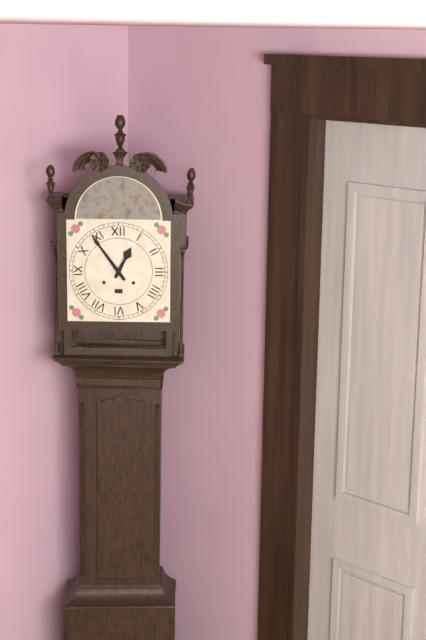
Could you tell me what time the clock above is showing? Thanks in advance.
12:54
